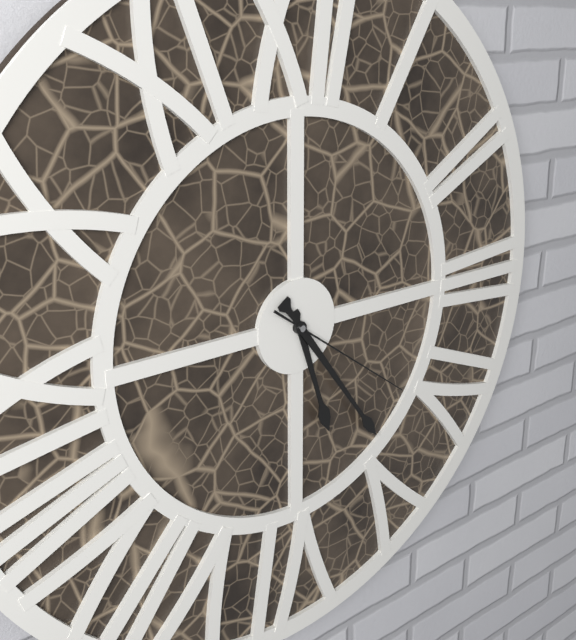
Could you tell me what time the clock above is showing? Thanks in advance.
5:24:21
